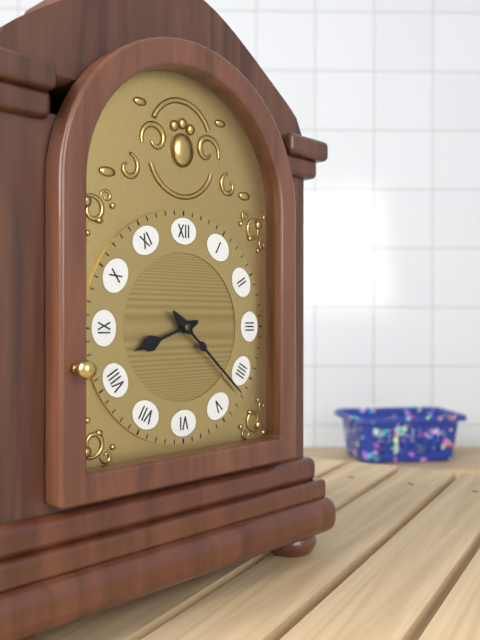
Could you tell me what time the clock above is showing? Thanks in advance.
8:22
